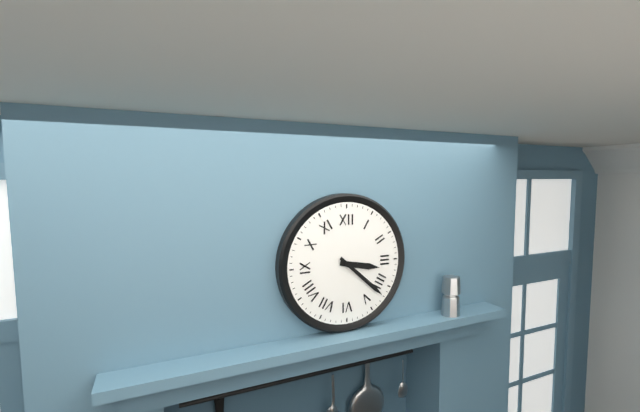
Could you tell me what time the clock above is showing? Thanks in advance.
3:22
